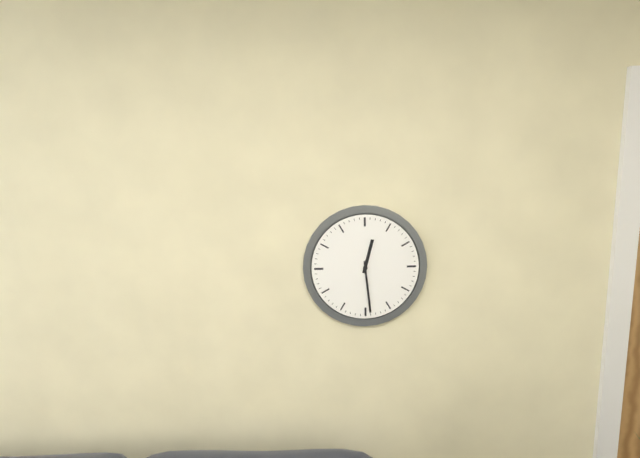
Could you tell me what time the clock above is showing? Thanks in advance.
12:29
